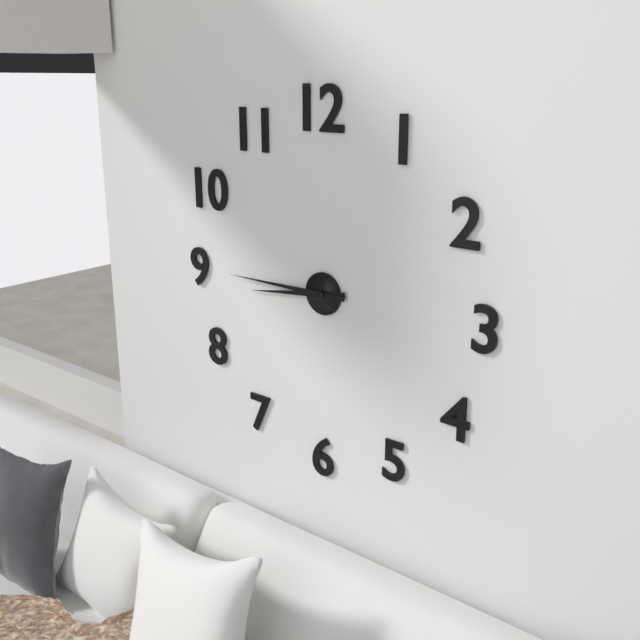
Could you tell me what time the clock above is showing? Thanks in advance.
8:45
